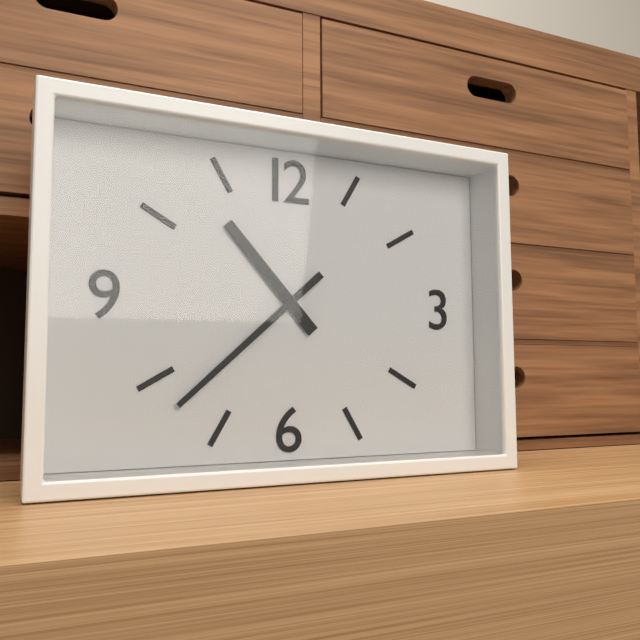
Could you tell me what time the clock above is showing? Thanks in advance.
10:38
